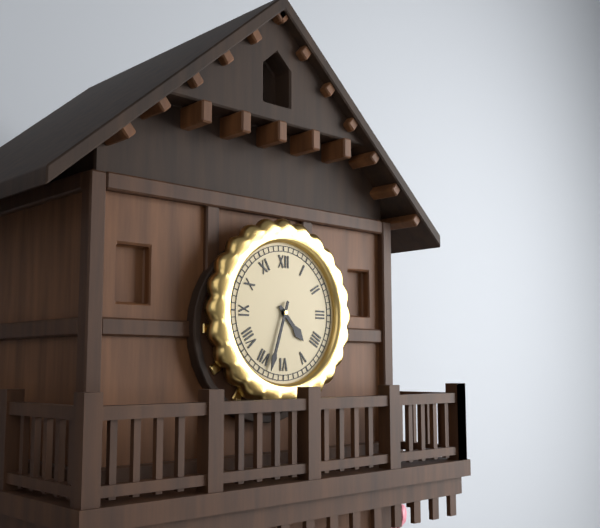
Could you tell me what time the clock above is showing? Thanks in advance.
4:33
